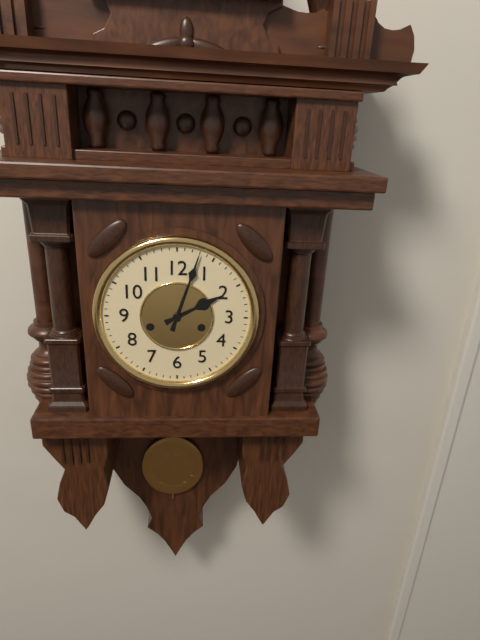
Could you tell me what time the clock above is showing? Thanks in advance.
2:03
